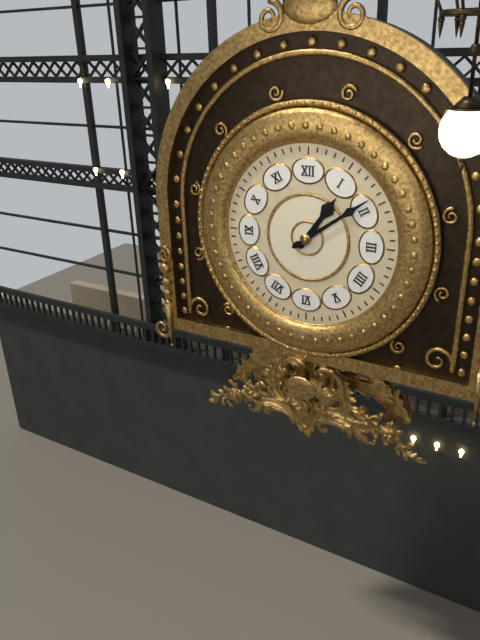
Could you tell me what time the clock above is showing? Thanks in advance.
1:09
